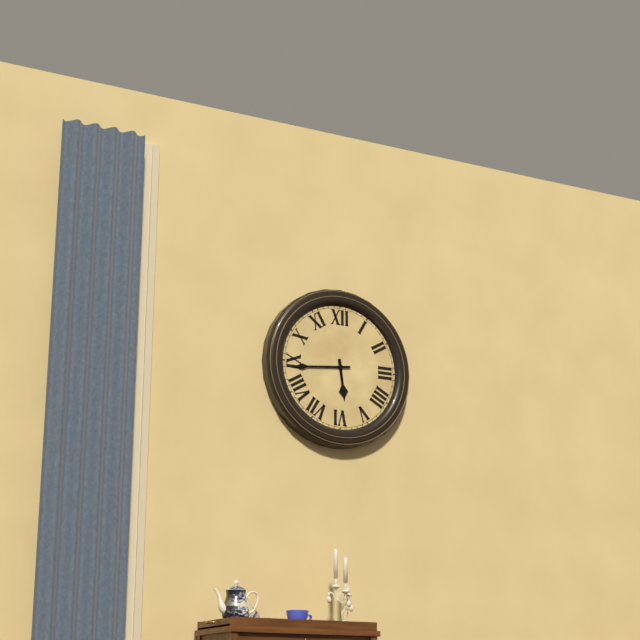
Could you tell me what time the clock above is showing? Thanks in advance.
5:44
